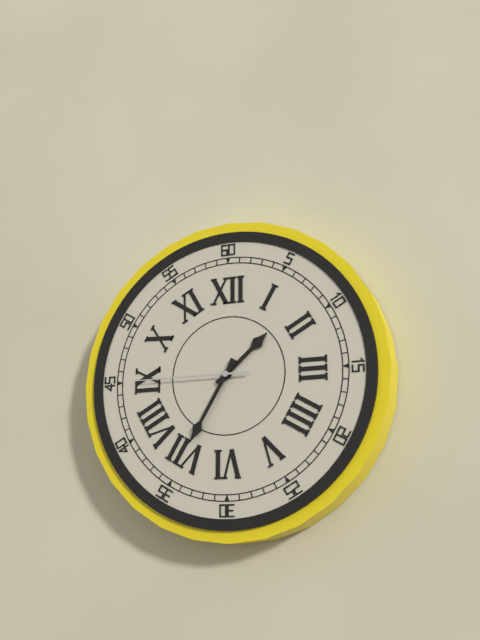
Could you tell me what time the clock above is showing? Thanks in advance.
1:35:45
